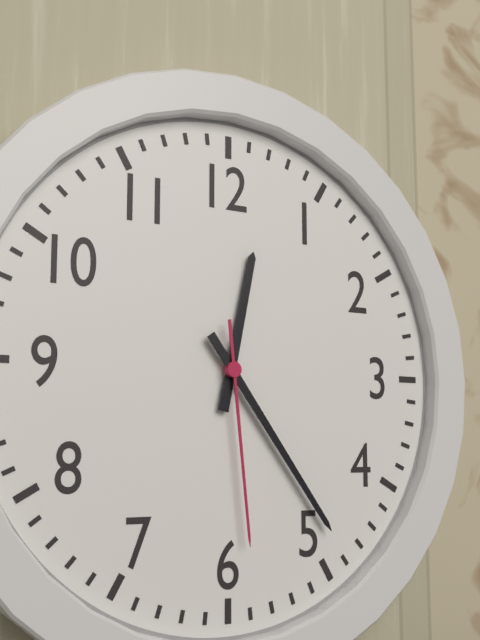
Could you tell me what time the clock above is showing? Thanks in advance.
12:24:29
